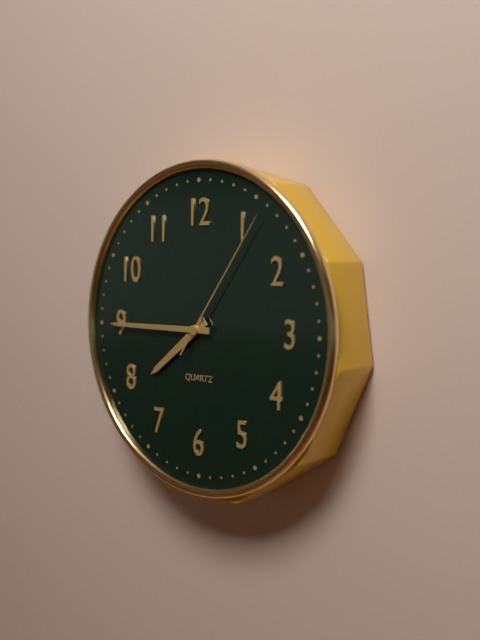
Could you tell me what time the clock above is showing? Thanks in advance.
7:45:06
